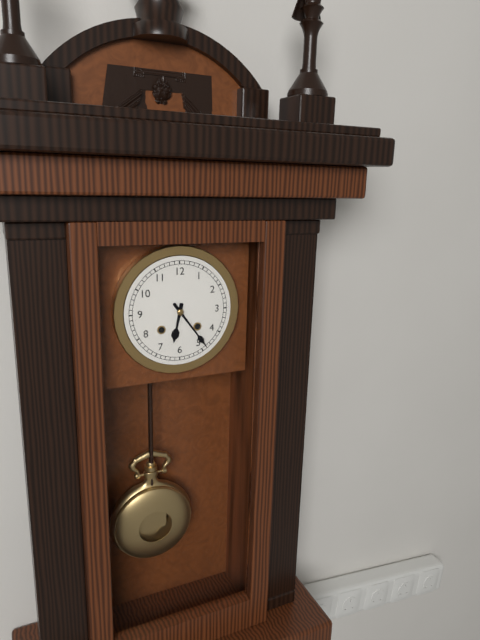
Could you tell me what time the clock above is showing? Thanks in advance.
6:24
